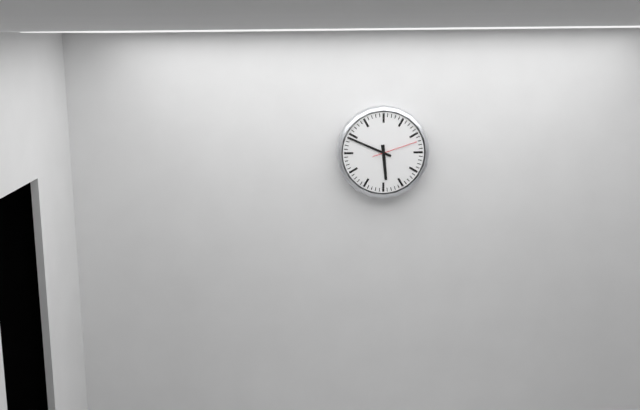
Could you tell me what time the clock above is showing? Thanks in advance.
5:49
